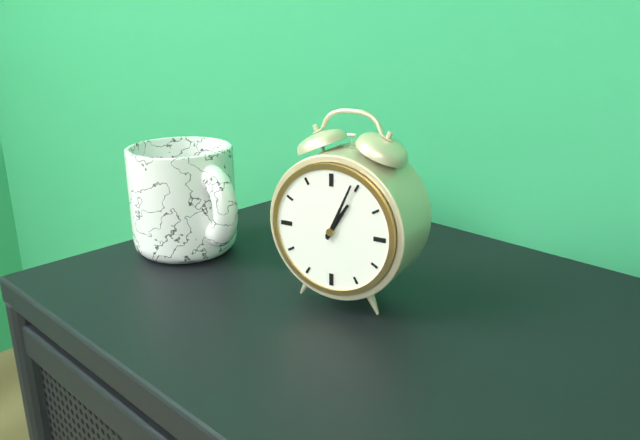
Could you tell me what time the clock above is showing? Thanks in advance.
1:04
